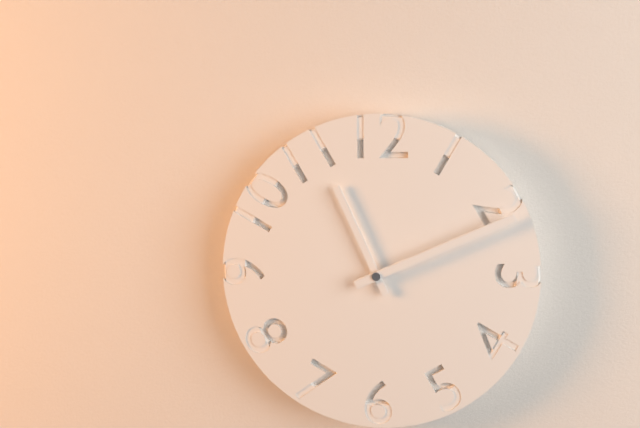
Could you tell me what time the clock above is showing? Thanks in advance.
11:11
